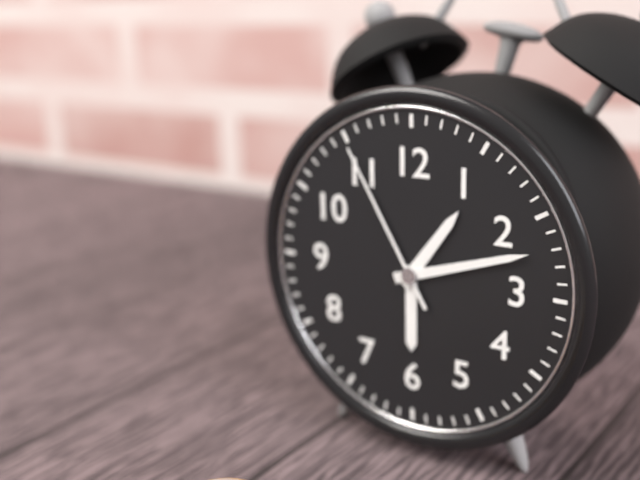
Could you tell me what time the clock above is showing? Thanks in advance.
1:12:55
